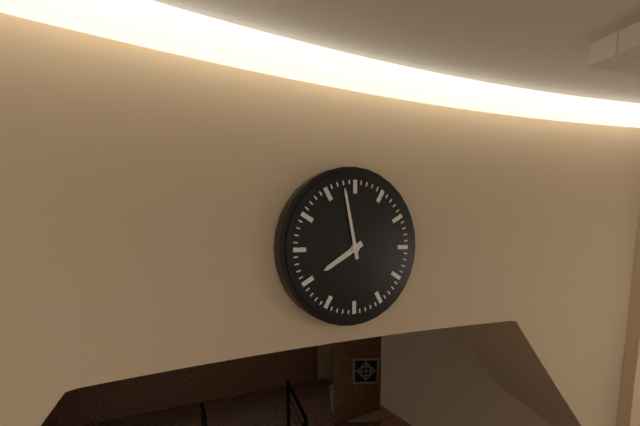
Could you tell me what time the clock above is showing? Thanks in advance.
7:58
